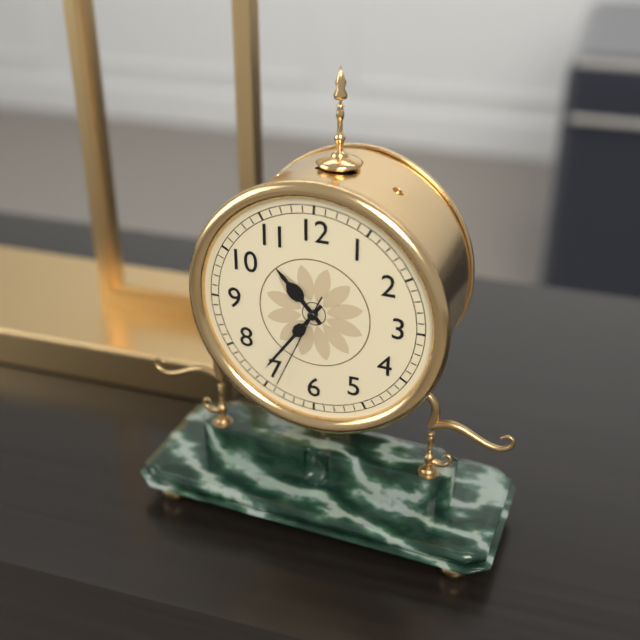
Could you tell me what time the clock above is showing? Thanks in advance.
10:36:34
